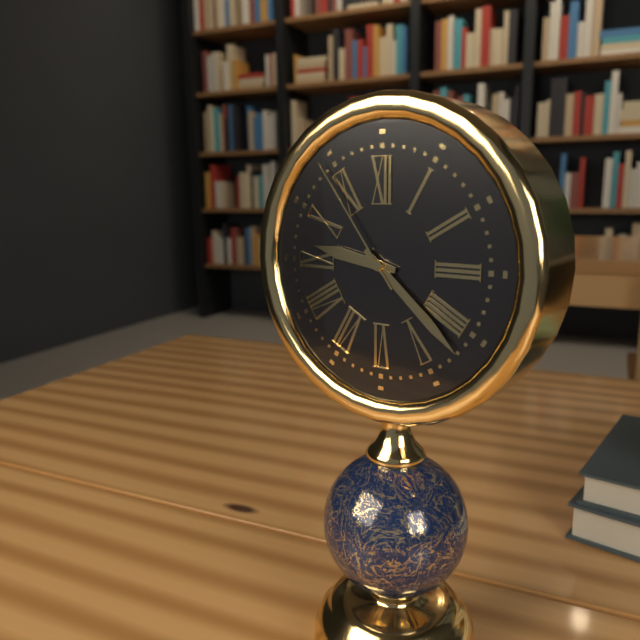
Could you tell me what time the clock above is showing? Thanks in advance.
9:22:54
